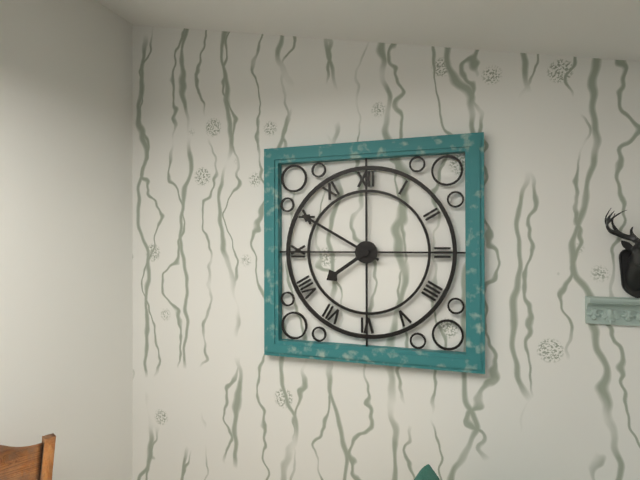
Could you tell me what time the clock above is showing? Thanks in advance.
7:50
